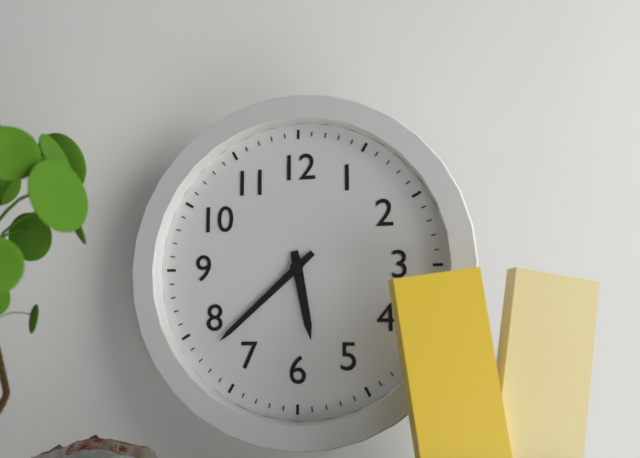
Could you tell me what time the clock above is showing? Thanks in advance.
5:38
